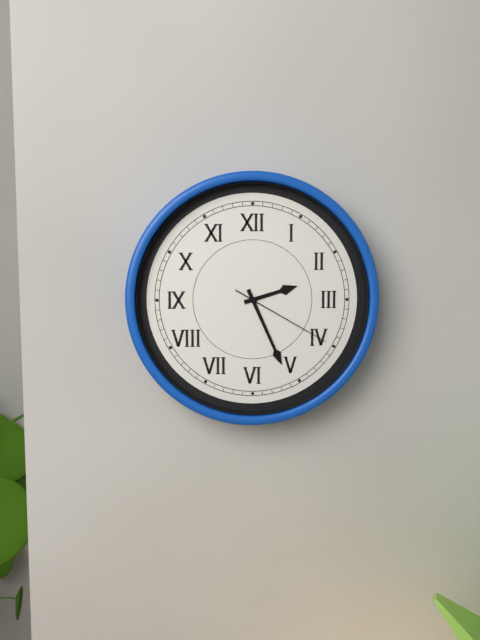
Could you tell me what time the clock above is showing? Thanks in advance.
2:26:20
